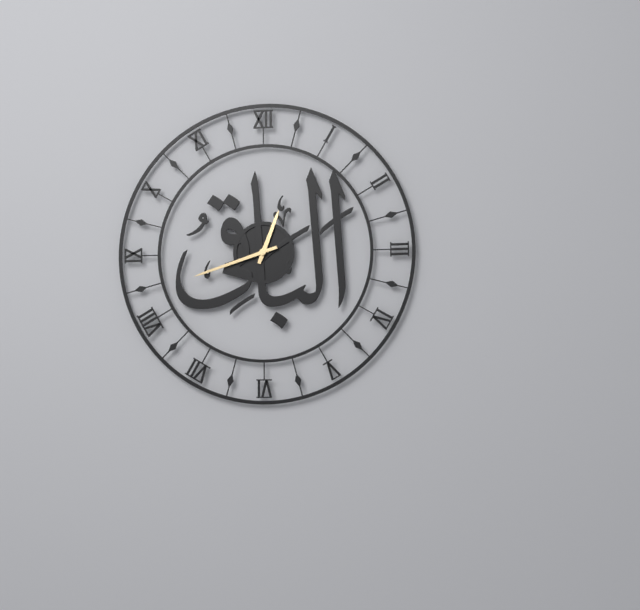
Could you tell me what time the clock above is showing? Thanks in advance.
12:42
